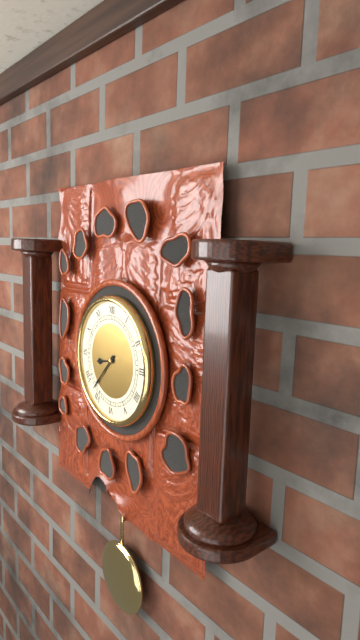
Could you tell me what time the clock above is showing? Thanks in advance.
8:37
